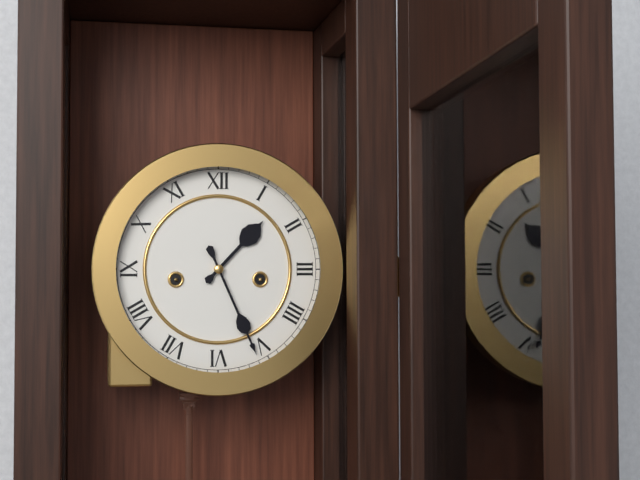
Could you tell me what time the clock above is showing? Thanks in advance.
1:26
